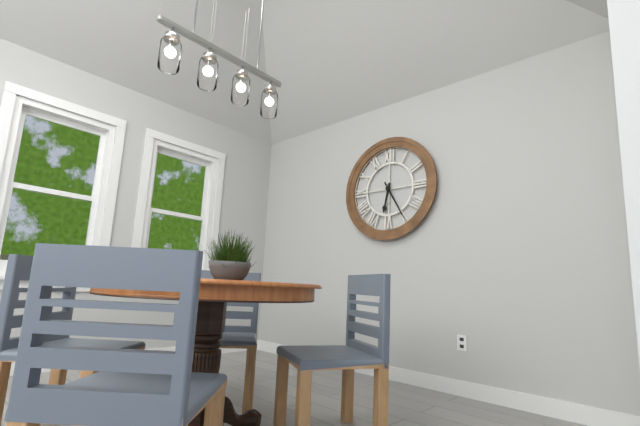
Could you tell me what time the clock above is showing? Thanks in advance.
6:25
